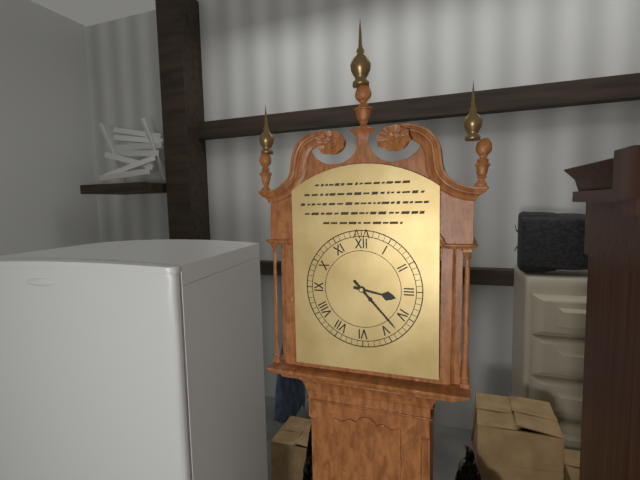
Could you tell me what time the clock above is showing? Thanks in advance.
3:23
